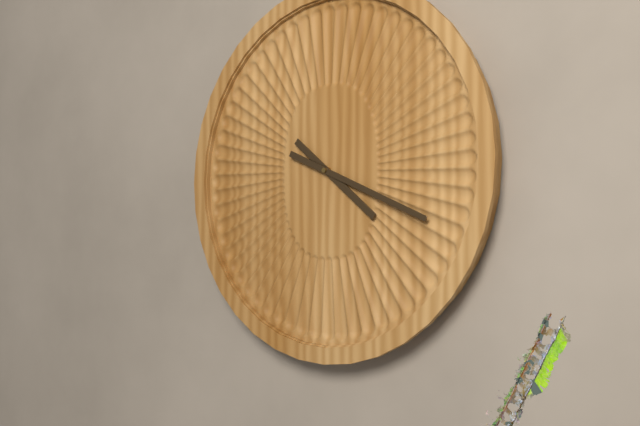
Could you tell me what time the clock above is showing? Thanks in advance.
4:19
